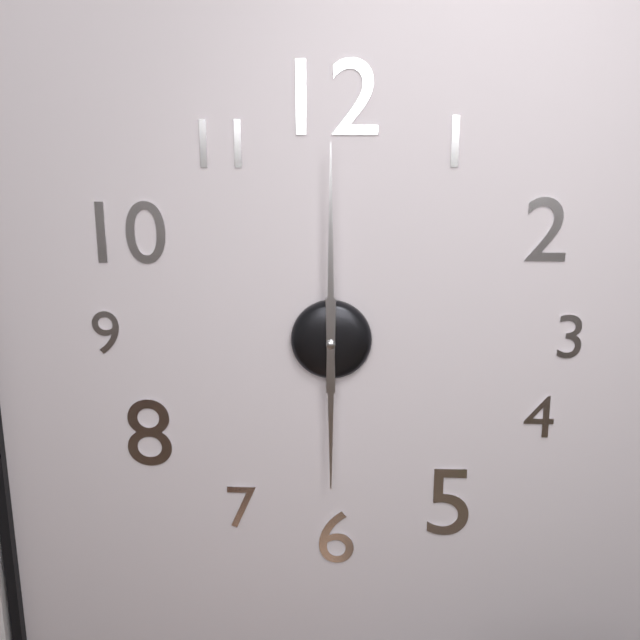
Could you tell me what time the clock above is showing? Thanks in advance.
6:00
